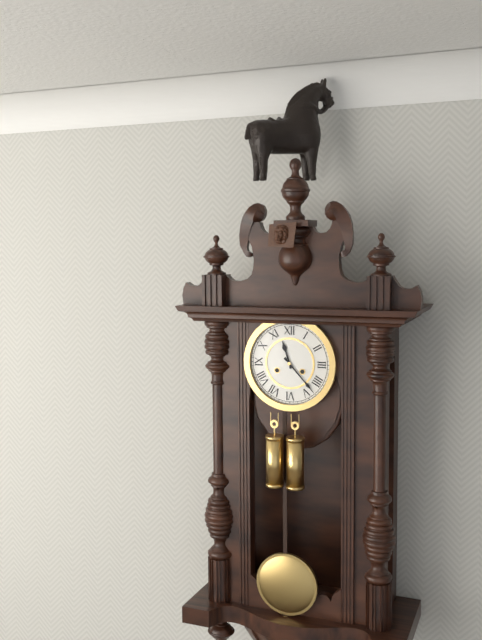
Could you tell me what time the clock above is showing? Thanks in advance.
11:23
